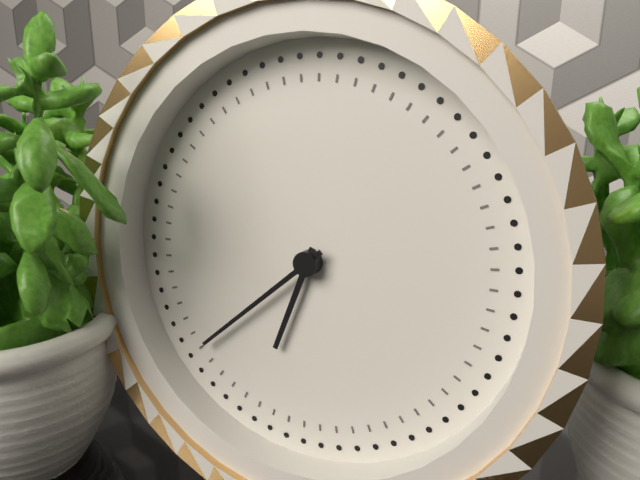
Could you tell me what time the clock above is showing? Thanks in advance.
6:38
